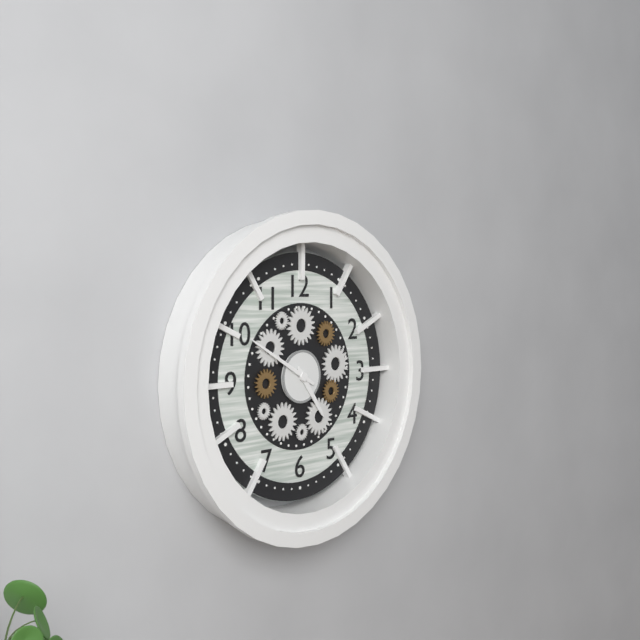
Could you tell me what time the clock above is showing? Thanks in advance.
4:50
